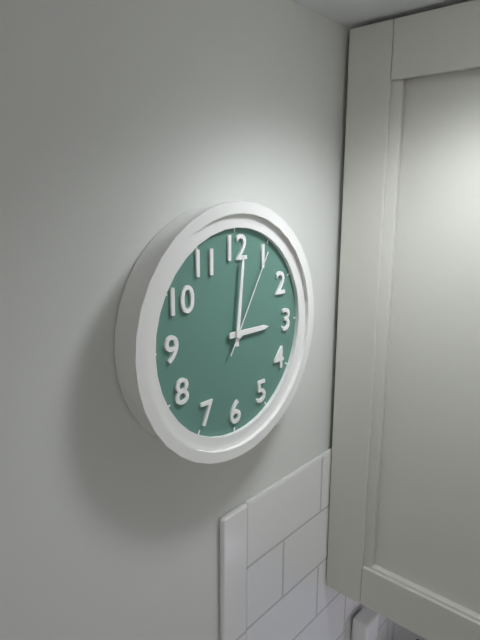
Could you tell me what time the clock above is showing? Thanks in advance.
3:01:05
